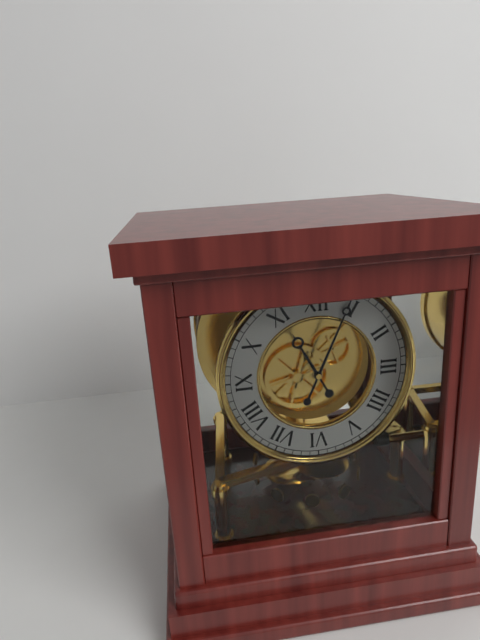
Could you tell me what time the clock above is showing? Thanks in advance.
11:04
